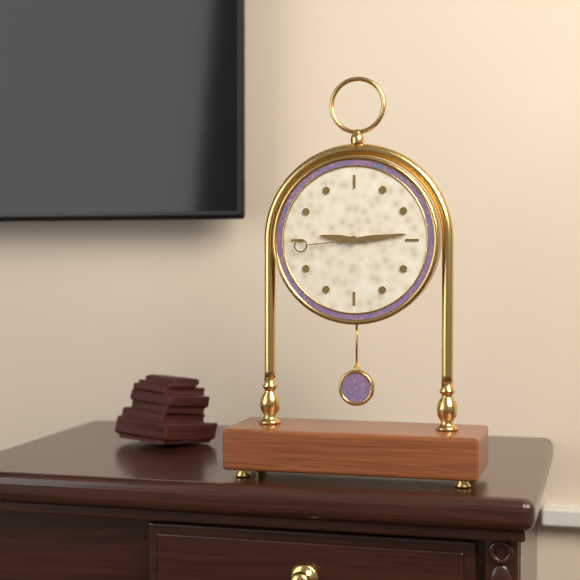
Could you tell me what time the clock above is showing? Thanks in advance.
9:14:44
